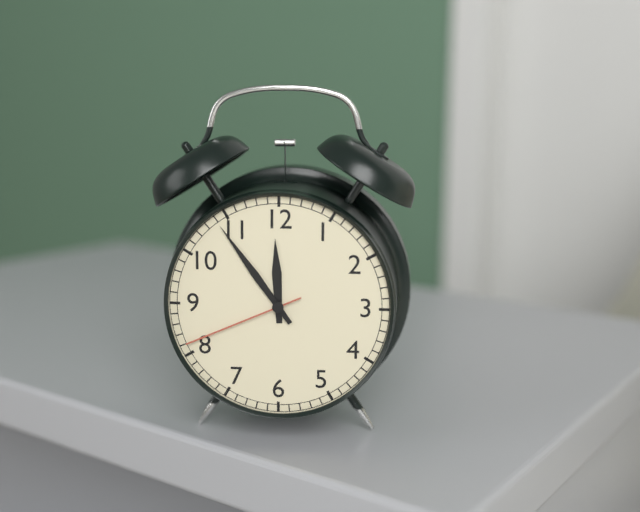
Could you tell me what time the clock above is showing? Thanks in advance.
11:54:41
